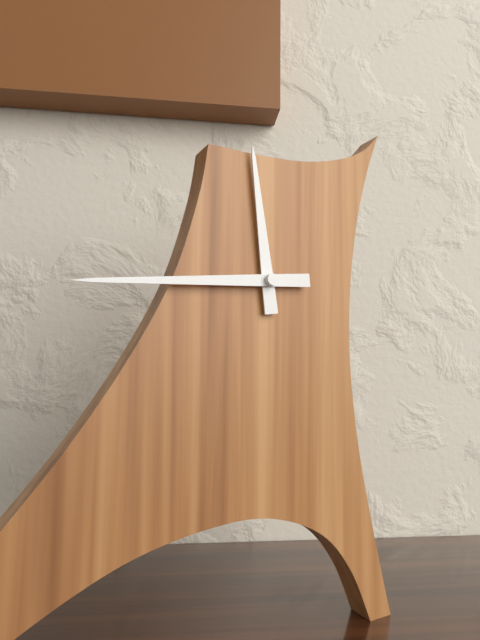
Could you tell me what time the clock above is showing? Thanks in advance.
11:44
